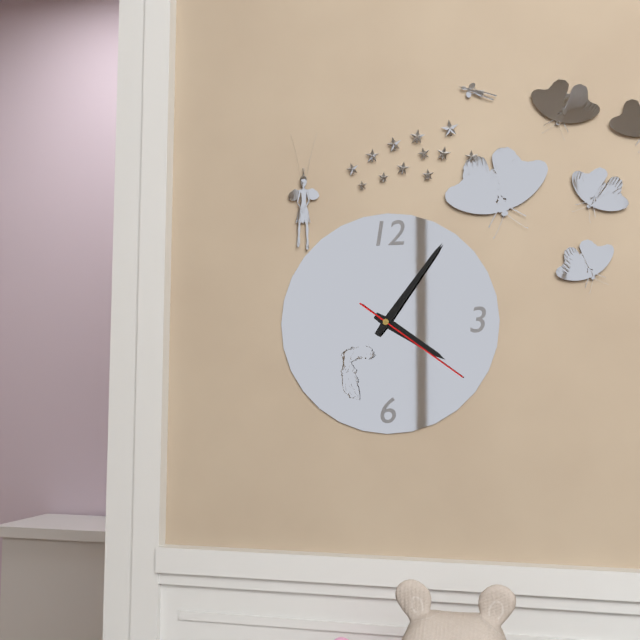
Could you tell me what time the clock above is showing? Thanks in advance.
4:06:21
